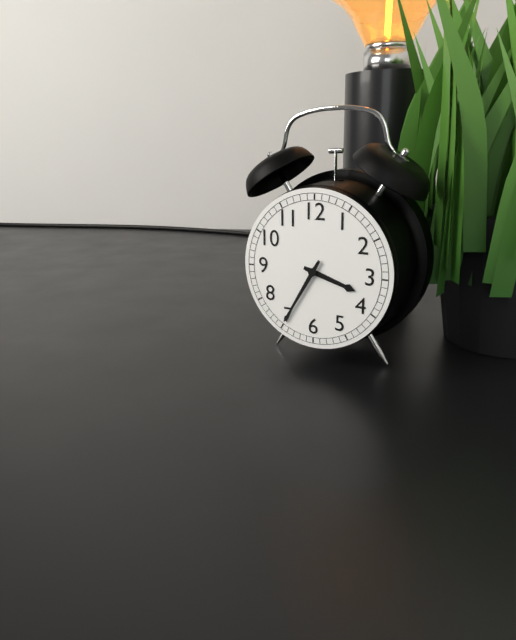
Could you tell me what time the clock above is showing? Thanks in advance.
3:35
